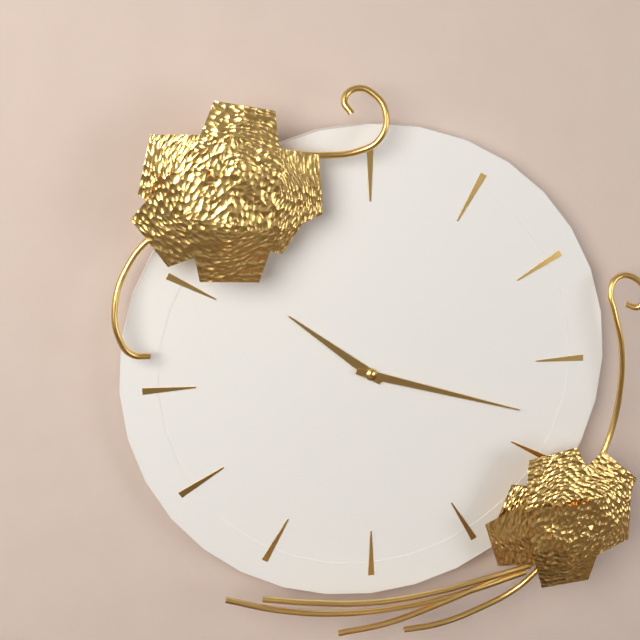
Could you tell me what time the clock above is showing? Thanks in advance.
10:18
